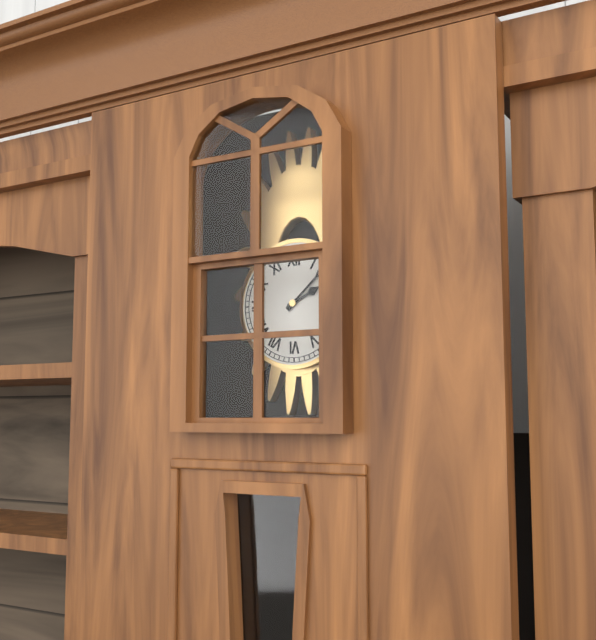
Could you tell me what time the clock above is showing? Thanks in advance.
2:08
